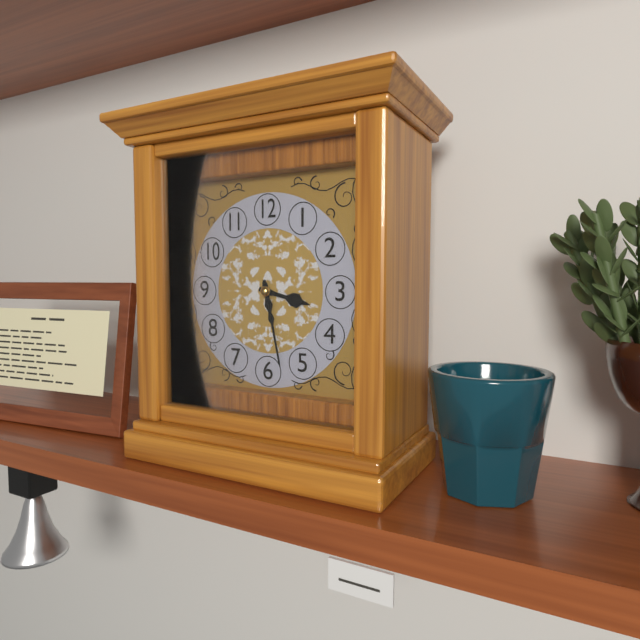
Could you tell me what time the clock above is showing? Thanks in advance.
3:28
